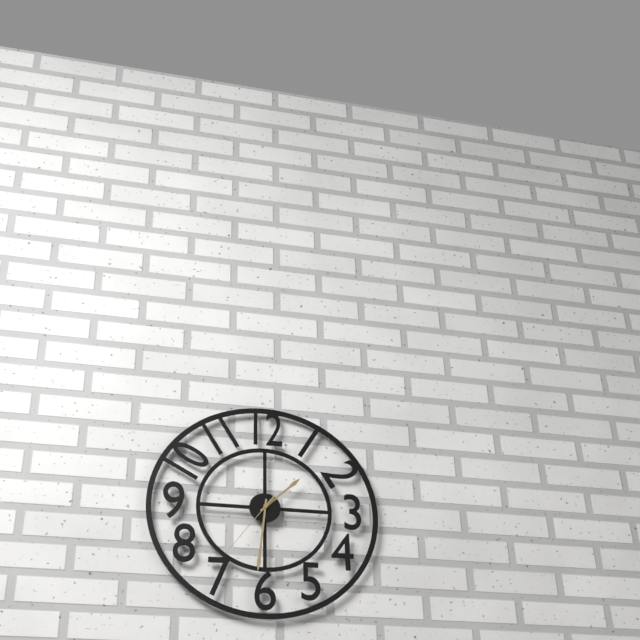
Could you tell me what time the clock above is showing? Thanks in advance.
1:31:36
